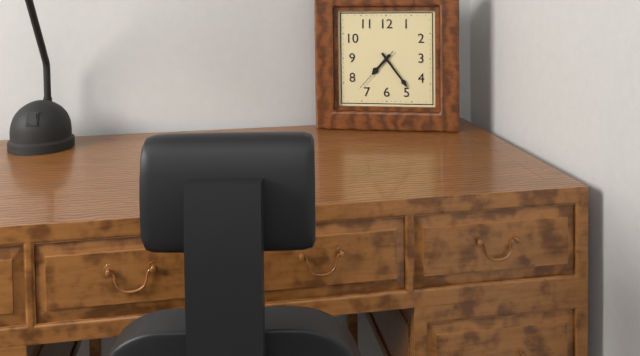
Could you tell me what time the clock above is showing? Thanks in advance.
7:24:37
